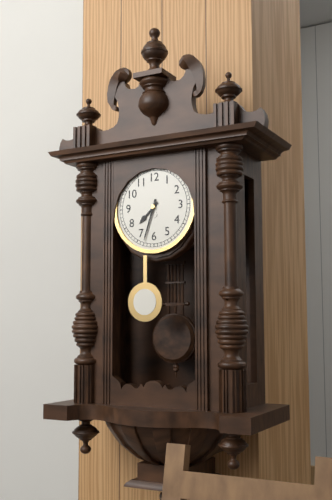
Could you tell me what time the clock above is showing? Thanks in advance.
7:33
